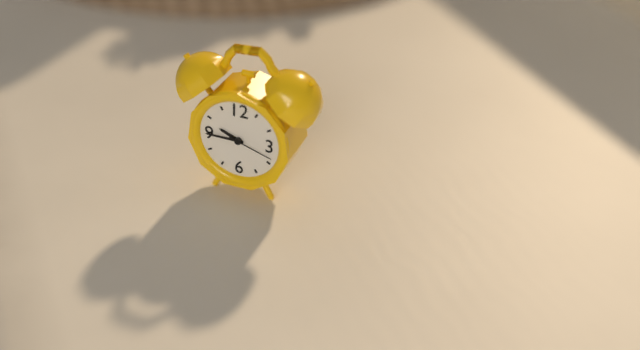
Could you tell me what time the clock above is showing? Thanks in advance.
9:45
